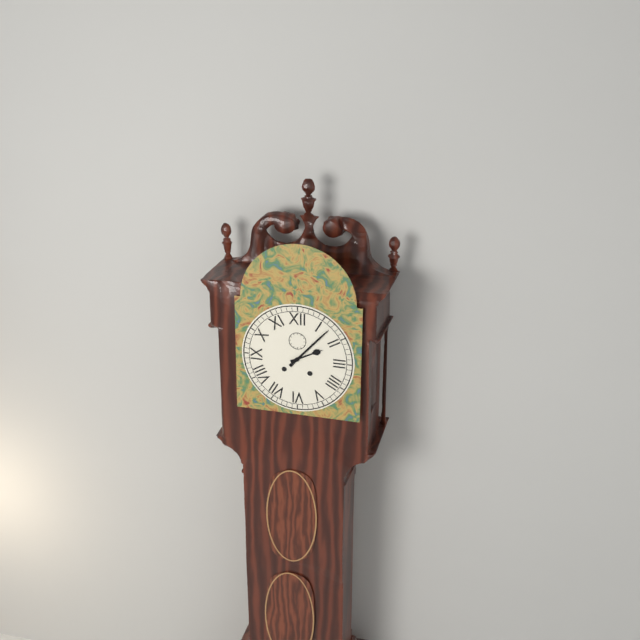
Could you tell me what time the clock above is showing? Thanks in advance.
2:07
